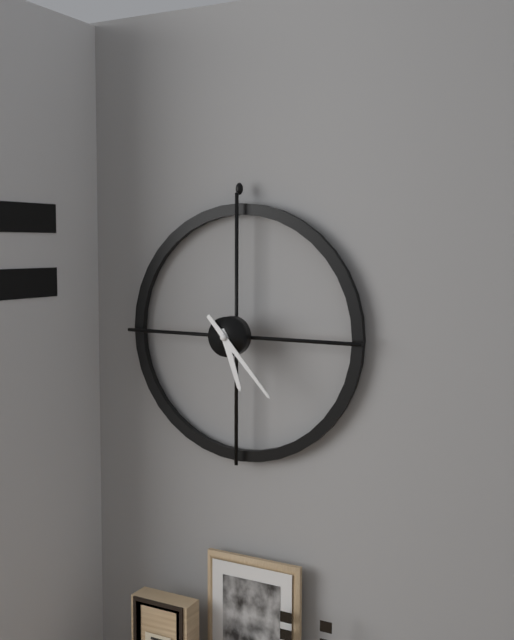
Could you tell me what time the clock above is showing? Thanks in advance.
5:23
